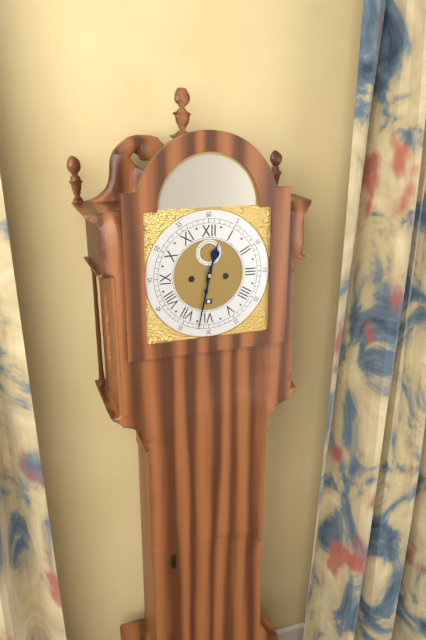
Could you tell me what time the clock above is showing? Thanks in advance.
12:32
